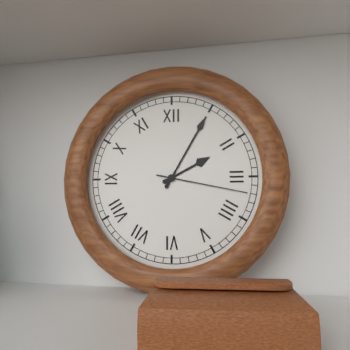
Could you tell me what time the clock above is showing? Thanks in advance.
2:05:17
